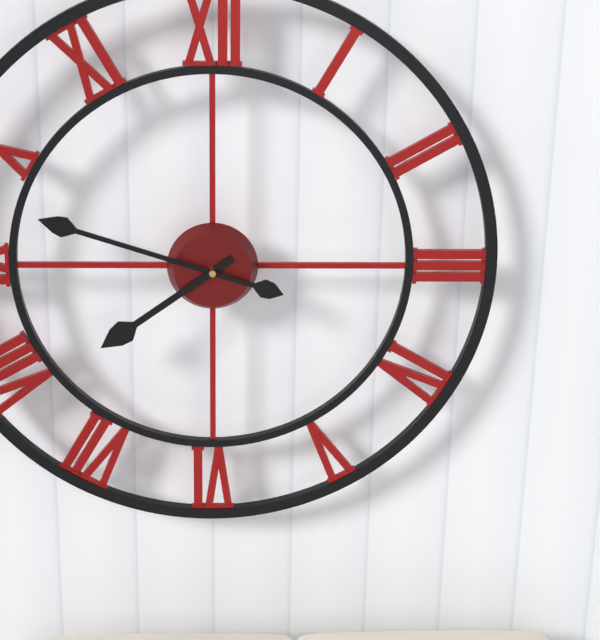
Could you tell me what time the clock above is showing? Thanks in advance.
7:48
